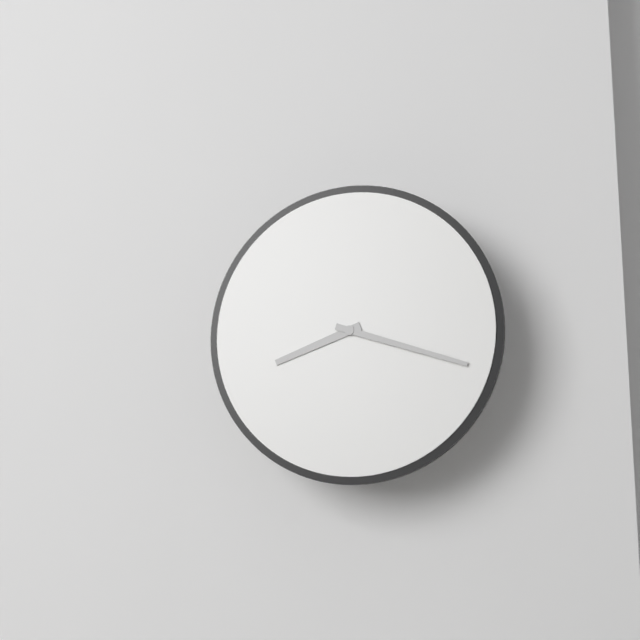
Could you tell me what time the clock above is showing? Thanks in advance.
8:18
